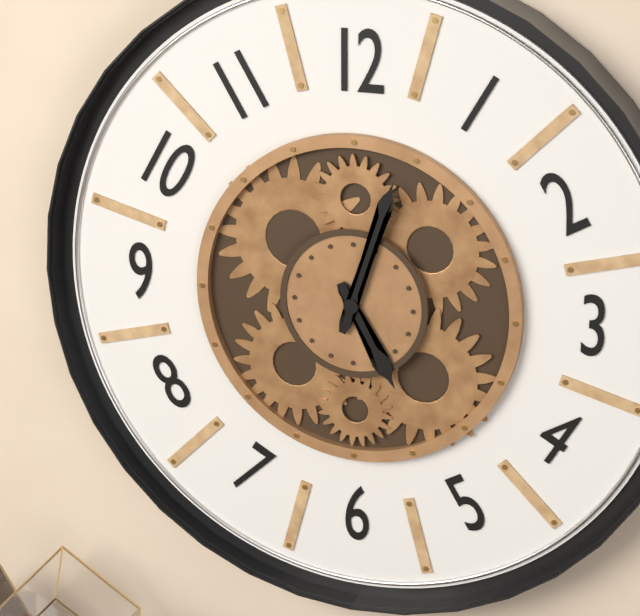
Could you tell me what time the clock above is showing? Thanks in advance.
5:03
